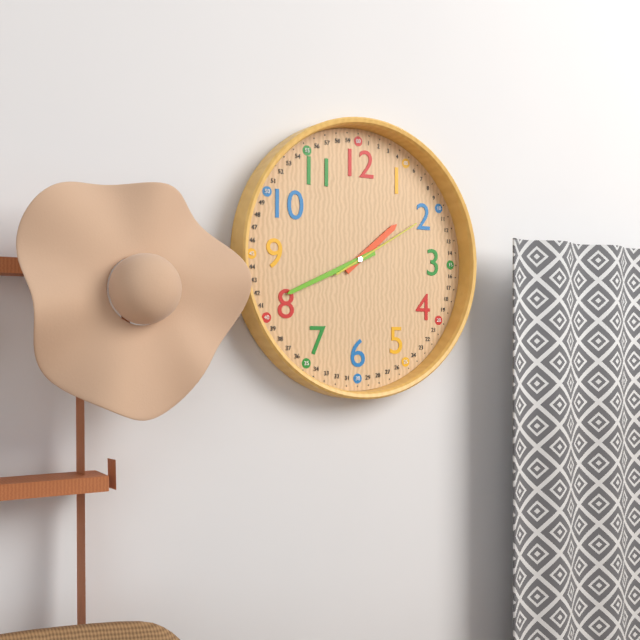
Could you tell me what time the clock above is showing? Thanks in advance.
1:41:10
